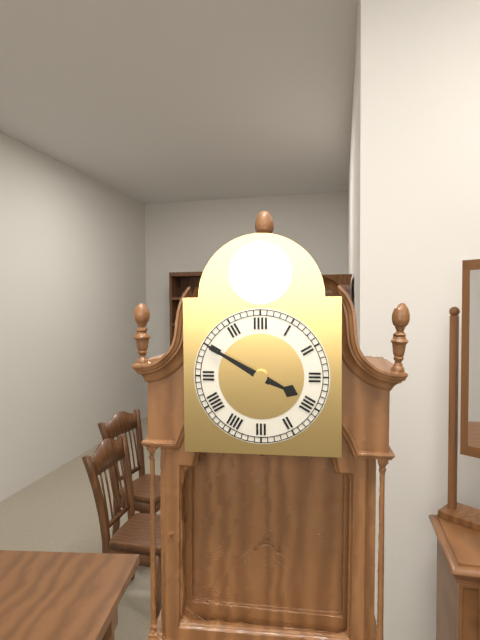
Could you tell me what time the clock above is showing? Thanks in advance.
3:50
